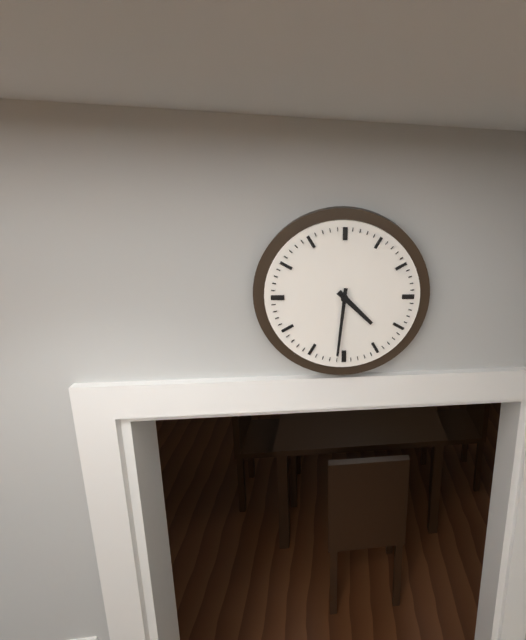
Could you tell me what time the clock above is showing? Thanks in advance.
4:31
